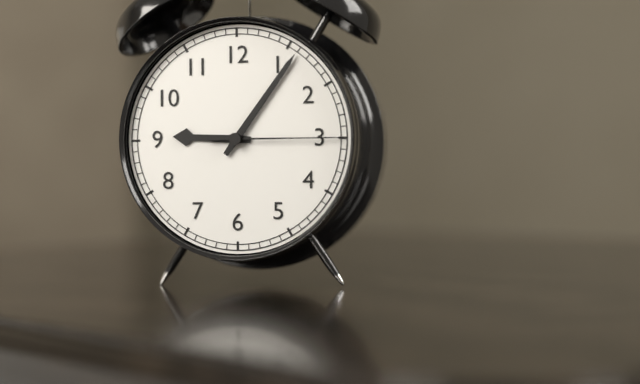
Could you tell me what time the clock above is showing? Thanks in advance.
9:06:15
